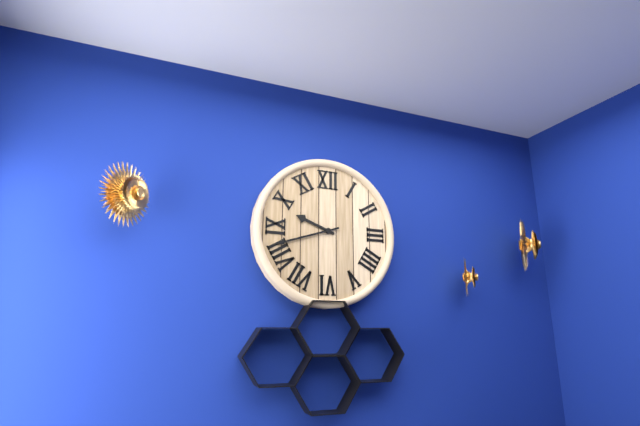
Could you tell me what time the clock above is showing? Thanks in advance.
9:42
